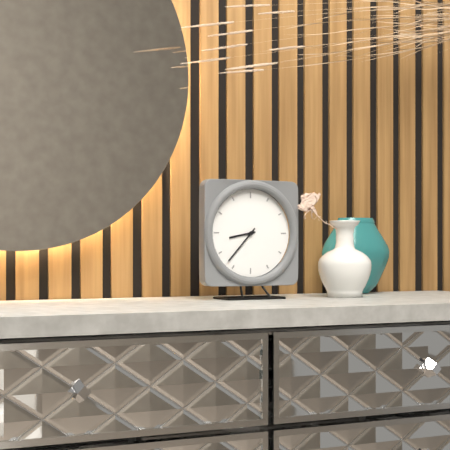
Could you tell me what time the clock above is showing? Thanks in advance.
8:37
